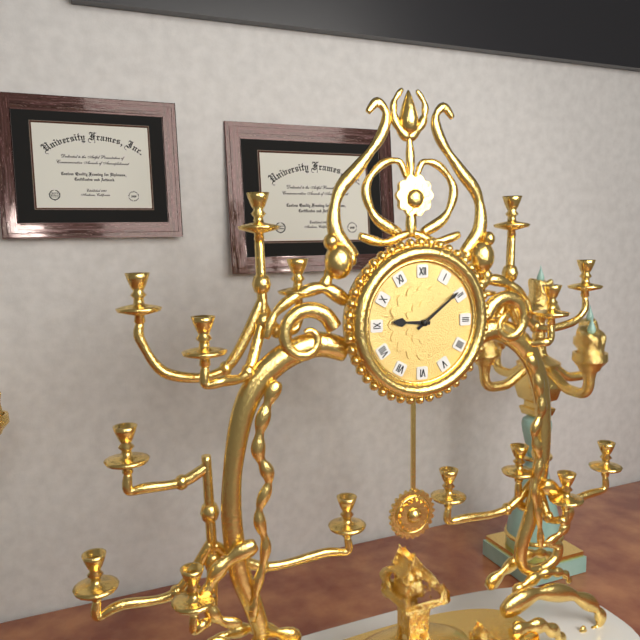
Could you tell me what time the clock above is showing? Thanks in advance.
9:09
